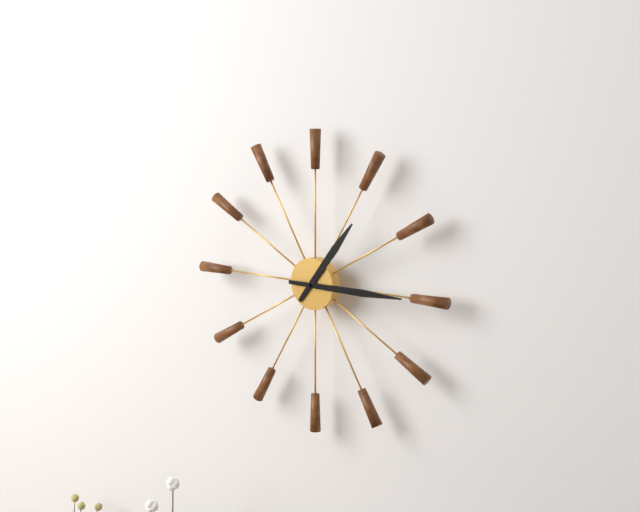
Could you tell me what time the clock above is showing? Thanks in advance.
1:15
